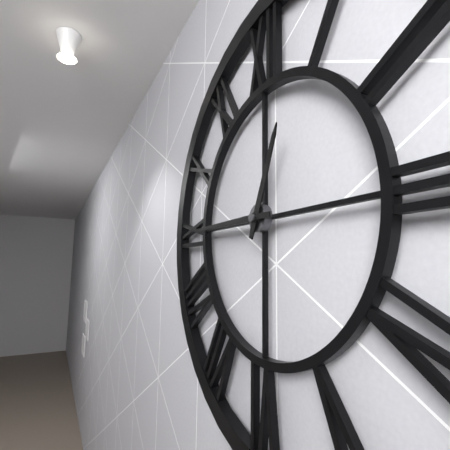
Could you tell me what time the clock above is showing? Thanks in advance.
12:45
